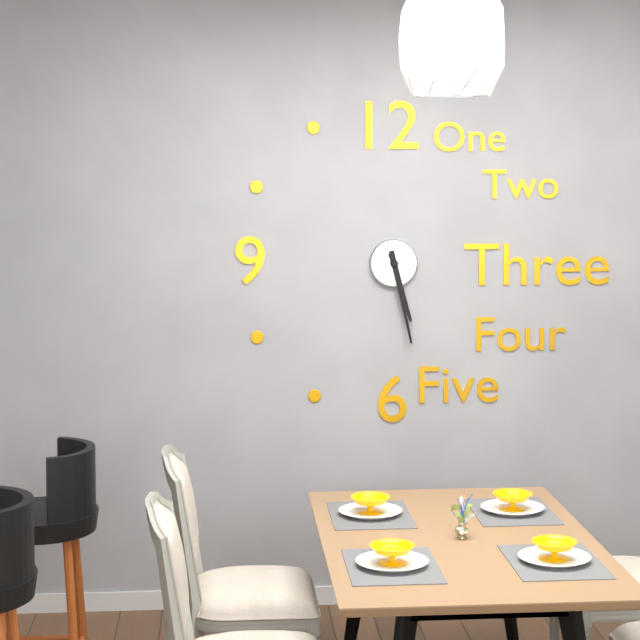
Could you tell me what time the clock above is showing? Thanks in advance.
5:28
